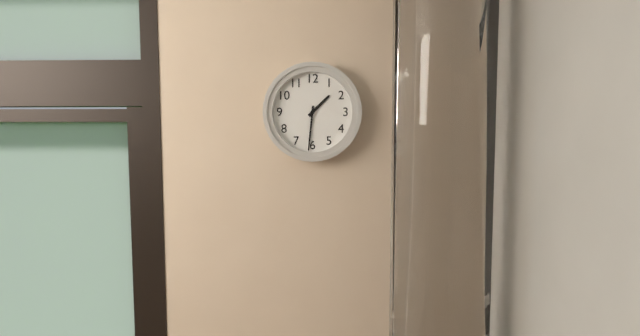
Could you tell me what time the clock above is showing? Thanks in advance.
1:31
